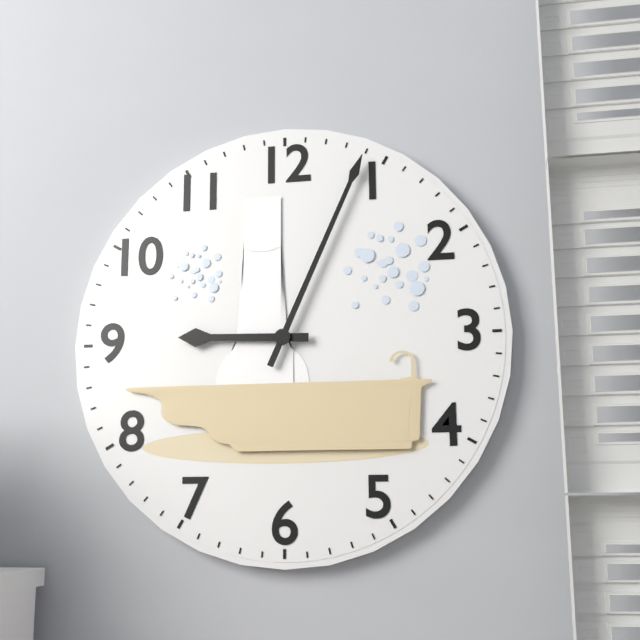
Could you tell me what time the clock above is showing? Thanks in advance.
9:04
